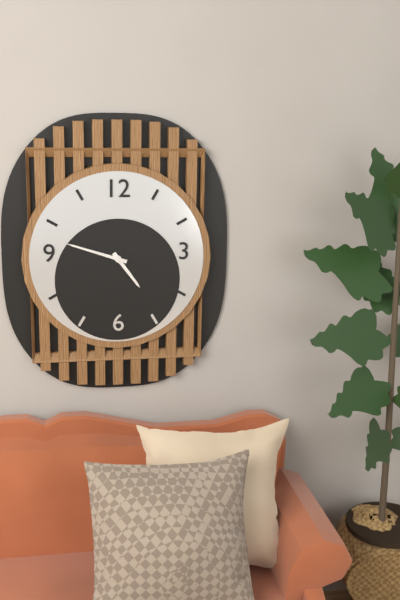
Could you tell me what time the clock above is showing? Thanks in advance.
4:48
